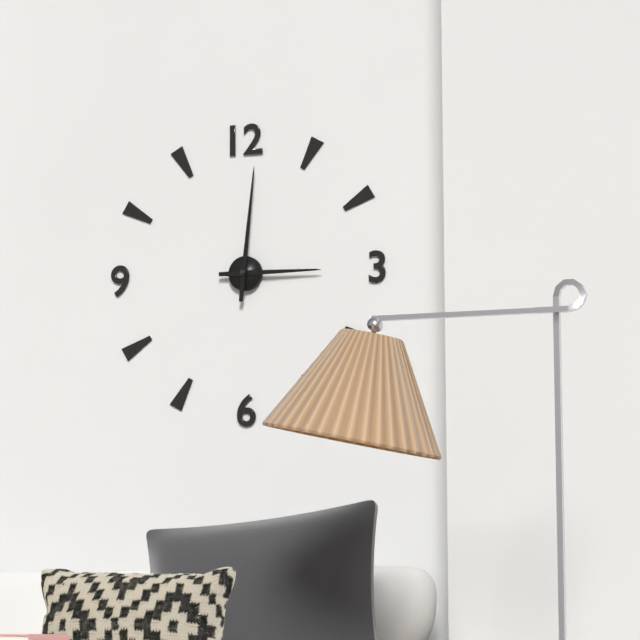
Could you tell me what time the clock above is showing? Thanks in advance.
3:01
